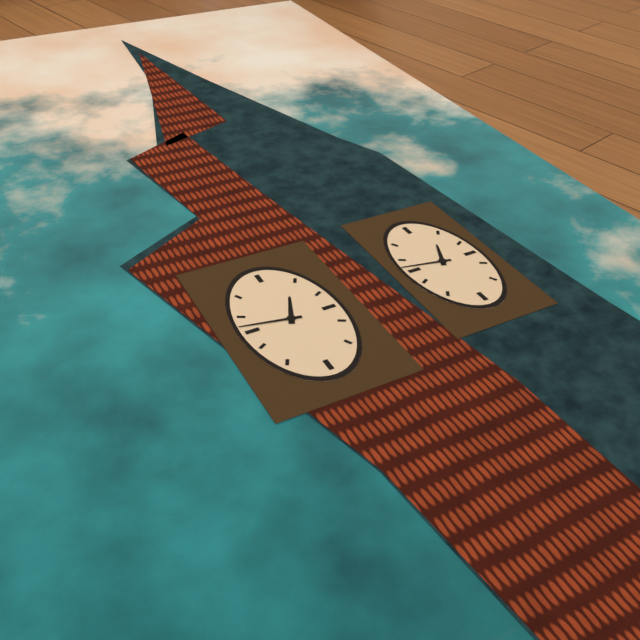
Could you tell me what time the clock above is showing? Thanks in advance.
12:47
